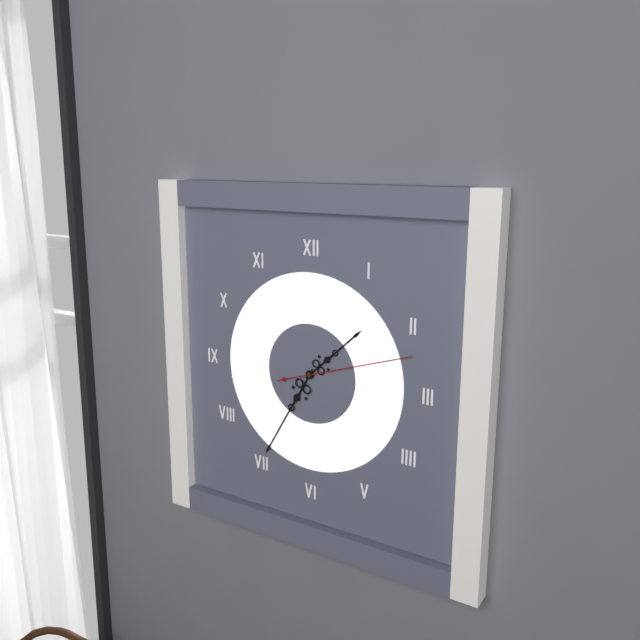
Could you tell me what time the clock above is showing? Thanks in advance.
1:35:12
